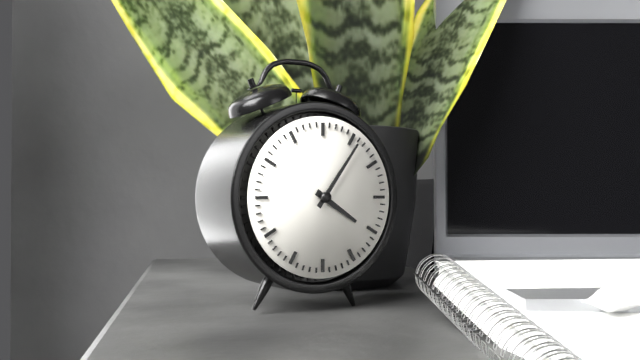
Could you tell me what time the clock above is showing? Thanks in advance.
4:06
